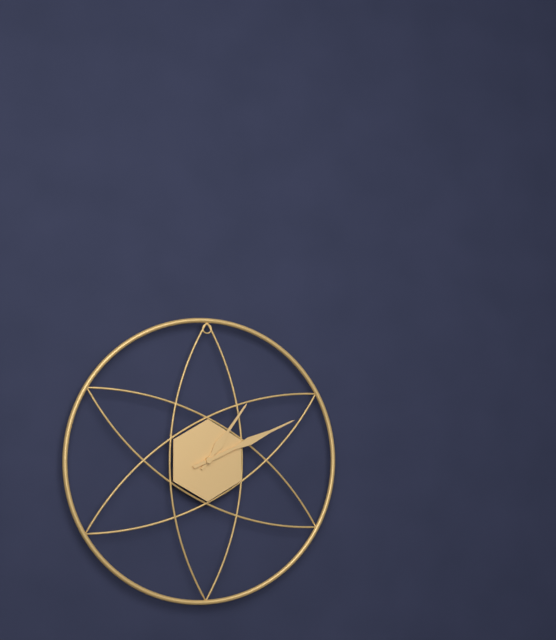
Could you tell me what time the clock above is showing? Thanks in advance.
1:11
